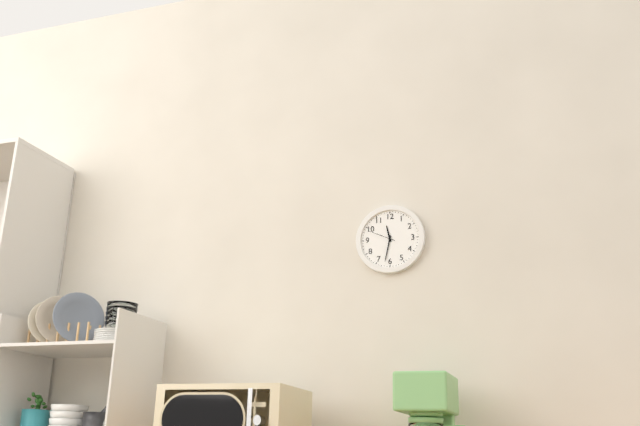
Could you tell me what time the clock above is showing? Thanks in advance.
11:32
